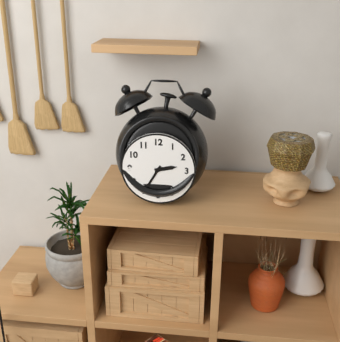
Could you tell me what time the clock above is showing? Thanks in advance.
2:35
